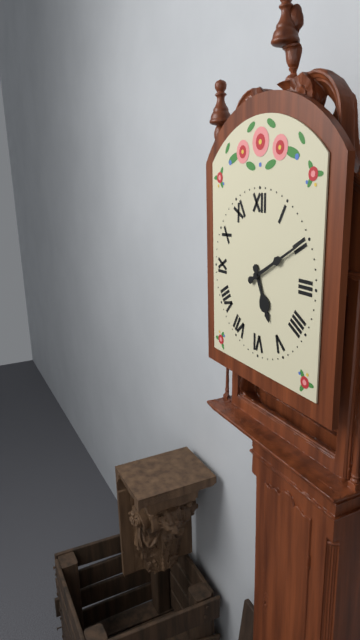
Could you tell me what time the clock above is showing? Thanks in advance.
5:10
